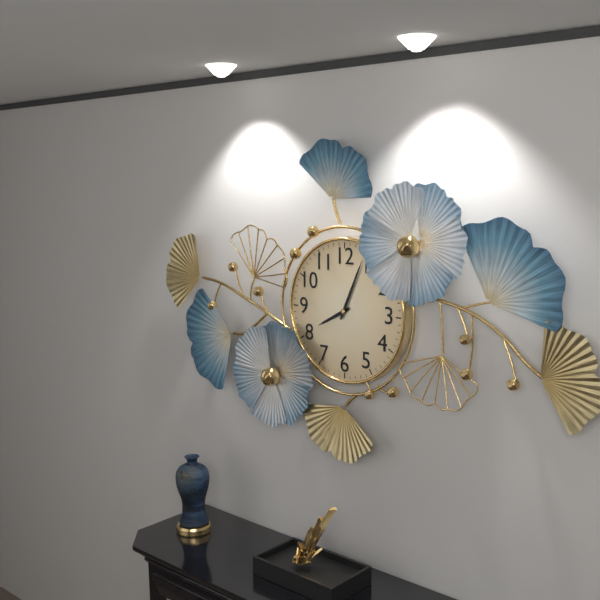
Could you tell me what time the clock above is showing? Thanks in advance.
8:04
